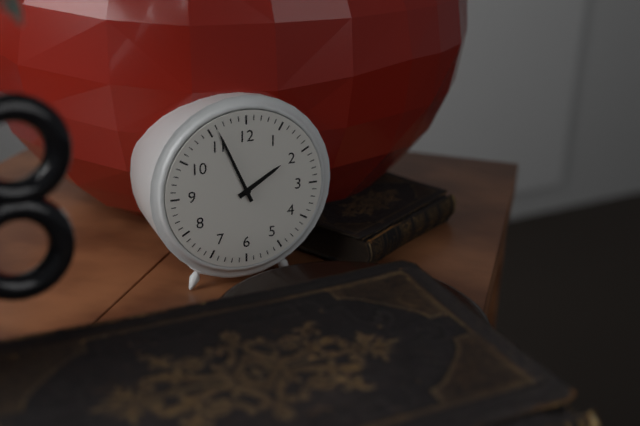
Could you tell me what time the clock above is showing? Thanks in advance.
1:56
